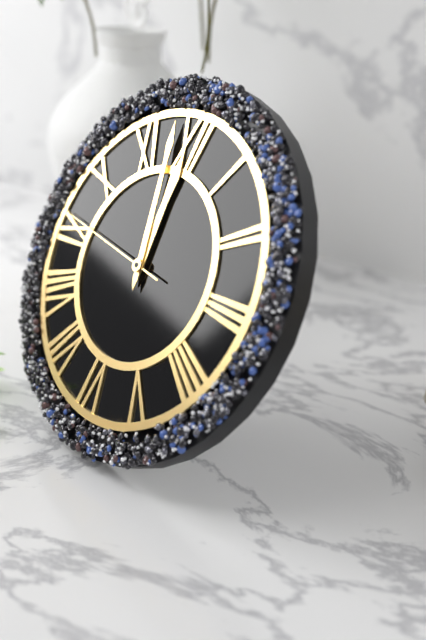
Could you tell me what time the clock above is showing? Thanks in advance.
11:58:46
